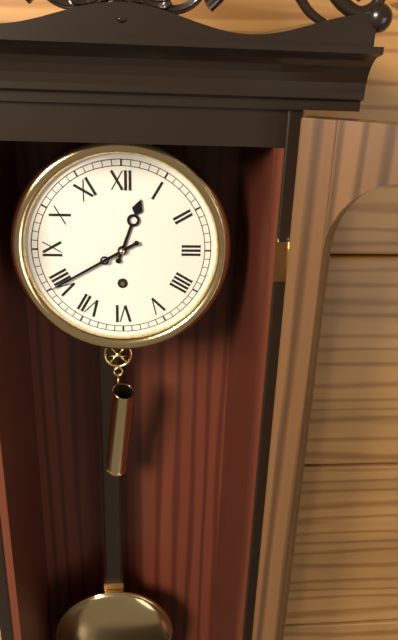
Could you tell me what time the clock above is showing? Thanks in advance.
12:40
